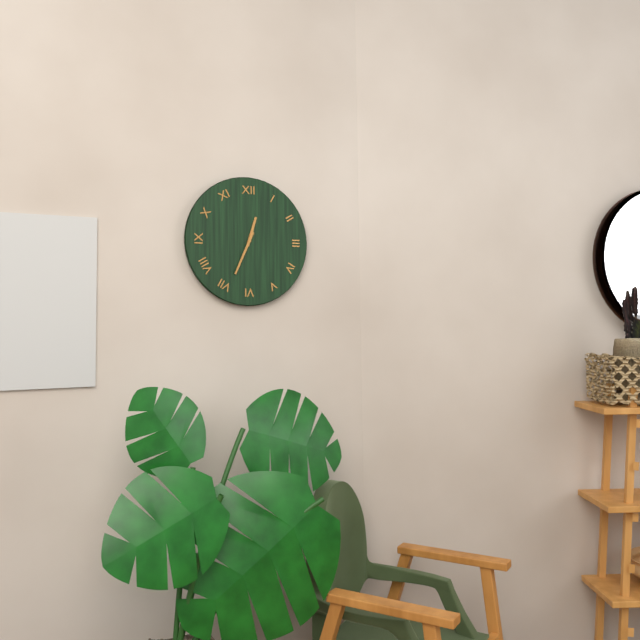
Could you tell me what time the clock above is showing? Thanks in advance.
12:34
